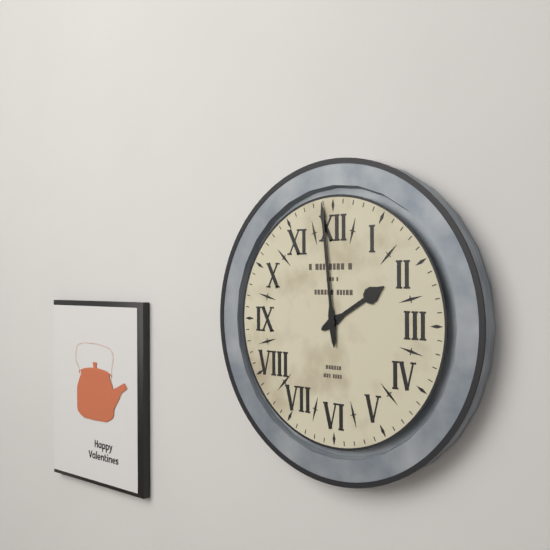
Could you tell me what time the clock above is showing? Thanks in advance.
1:59
